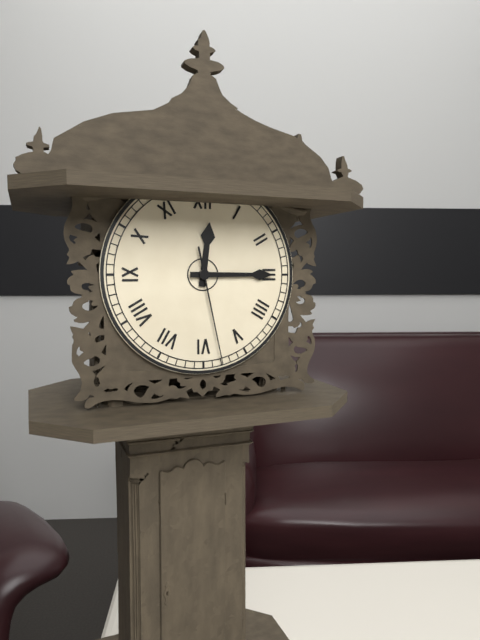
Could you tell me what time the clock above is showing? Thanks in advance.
12:15:28
